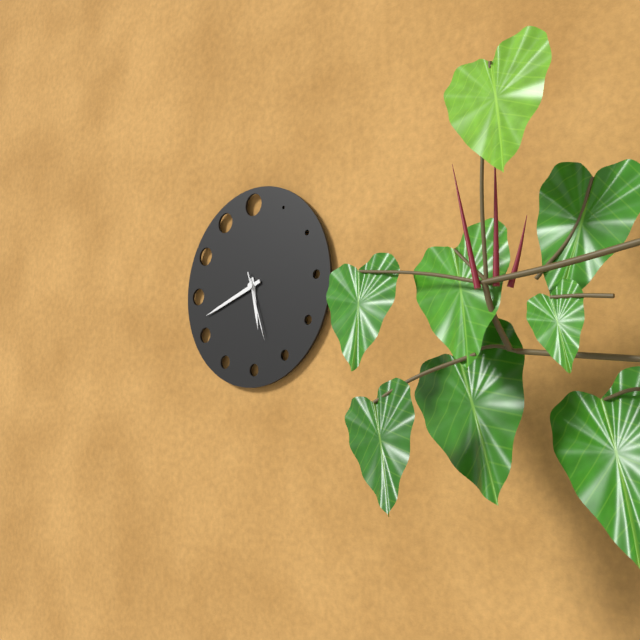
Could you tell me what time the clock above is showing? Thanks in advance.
5:42:27
